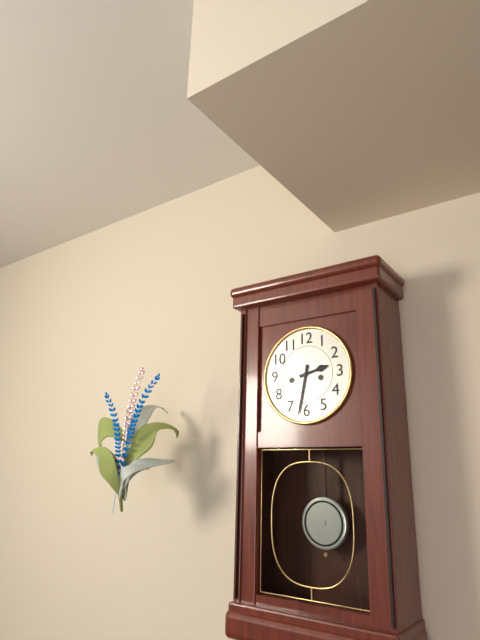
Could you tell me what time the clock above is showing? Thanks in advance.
2:32
